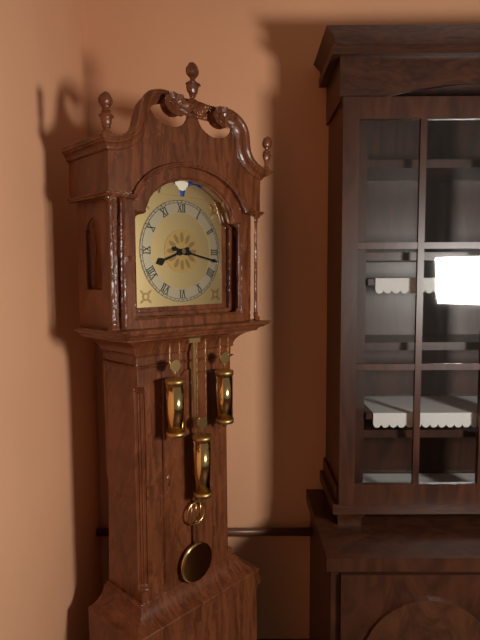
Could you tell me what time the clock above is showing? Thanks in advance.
8:17
